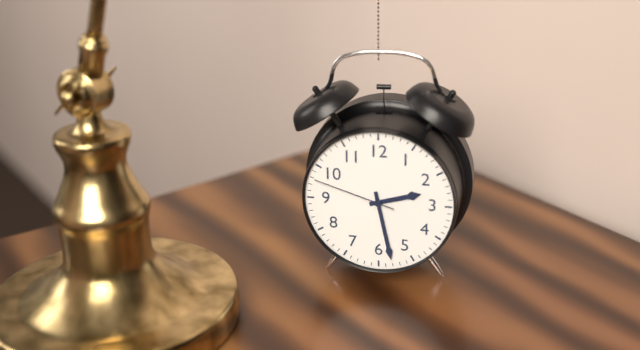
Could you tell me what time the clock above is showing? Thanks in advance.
2:28:48
